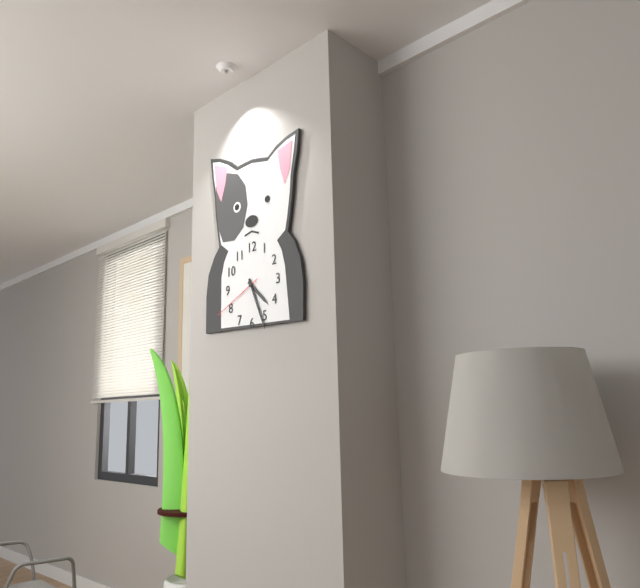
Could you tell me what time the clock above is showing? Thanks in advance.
4:26:41
